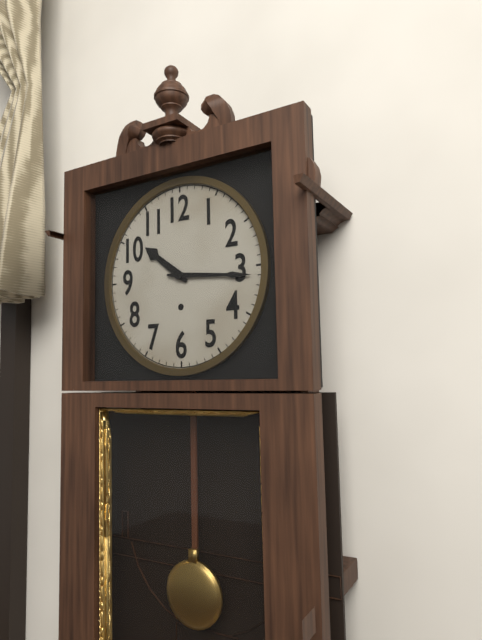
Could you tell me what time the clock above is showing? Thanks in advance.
10:16
